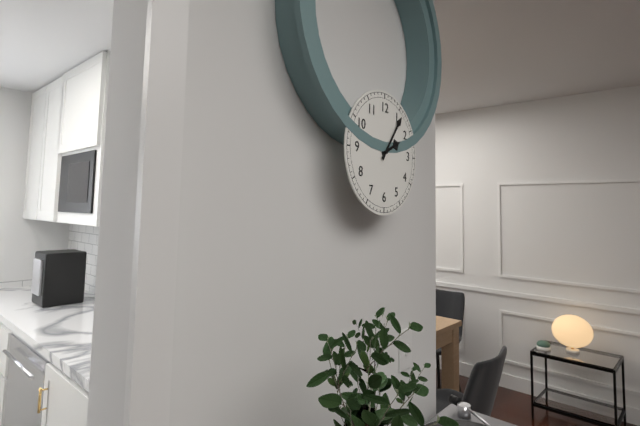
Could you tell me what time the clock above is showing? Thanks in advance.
2:06
